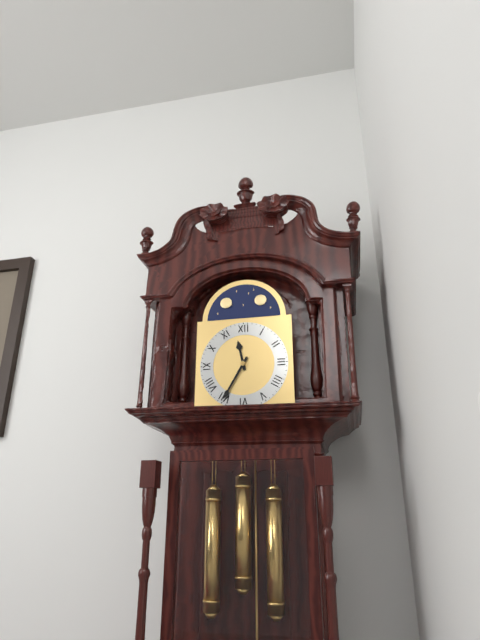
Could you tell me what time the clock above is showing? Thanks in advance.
11:35
